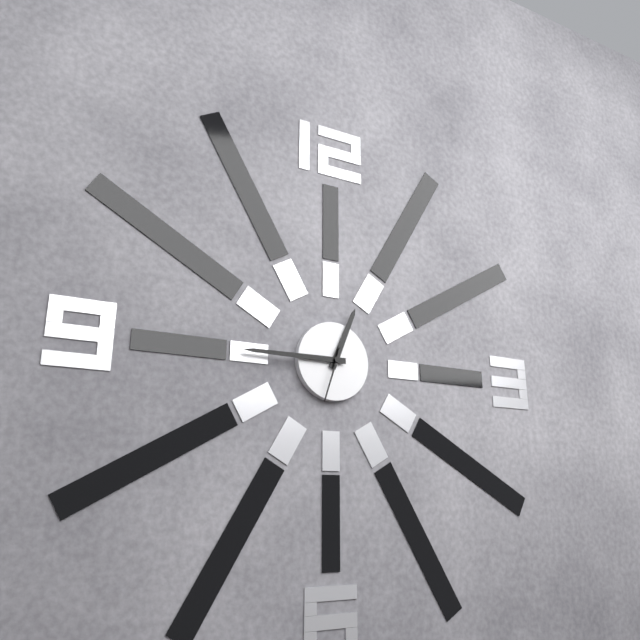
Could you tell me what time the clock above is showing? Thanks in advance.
12:45
